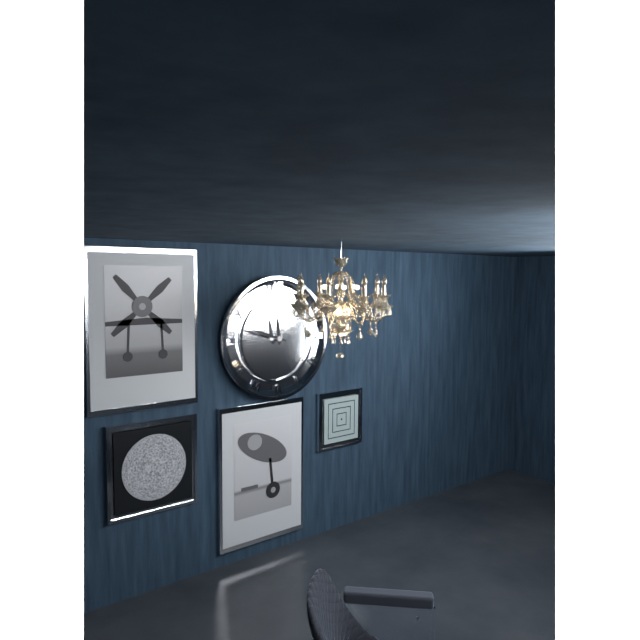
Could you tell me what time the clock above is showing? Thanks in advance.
11:48
